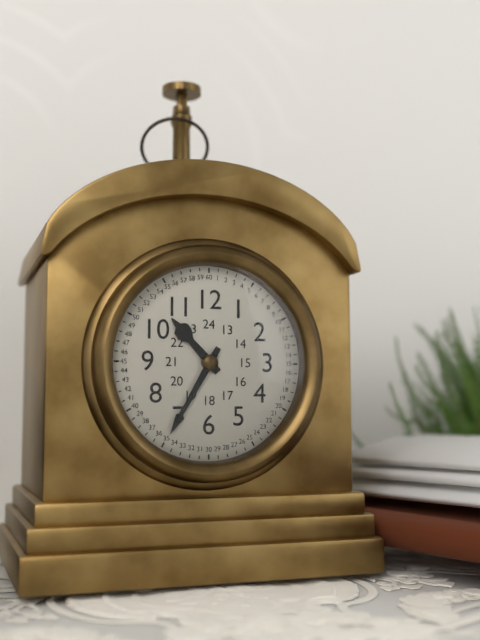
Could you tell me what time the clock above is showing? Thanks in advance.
10:35
